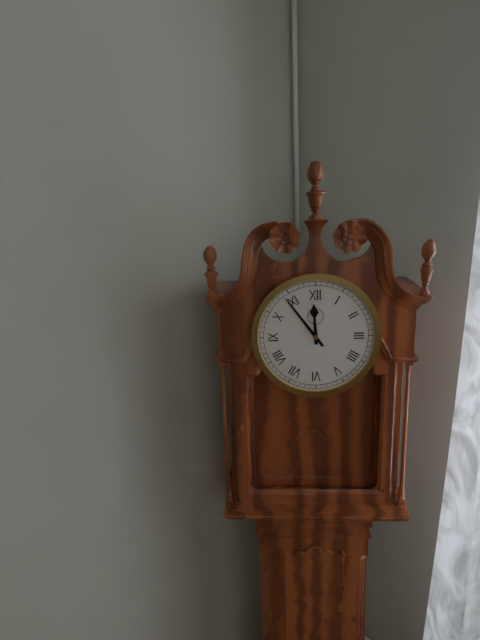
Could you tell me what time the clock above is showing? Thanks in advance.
11:54
